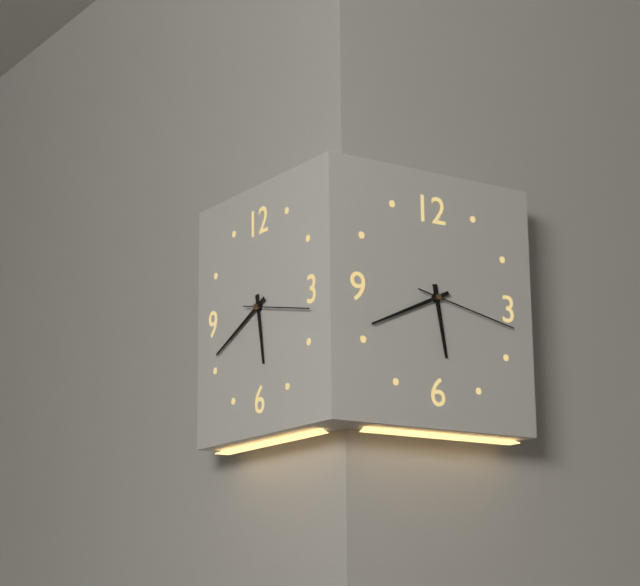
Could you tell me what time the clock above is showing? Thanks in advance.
5:41:17
